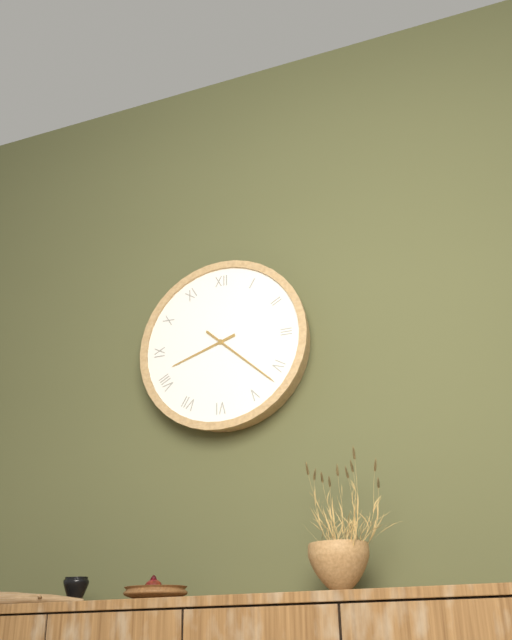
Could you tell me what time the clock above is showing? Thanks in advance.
8:22
